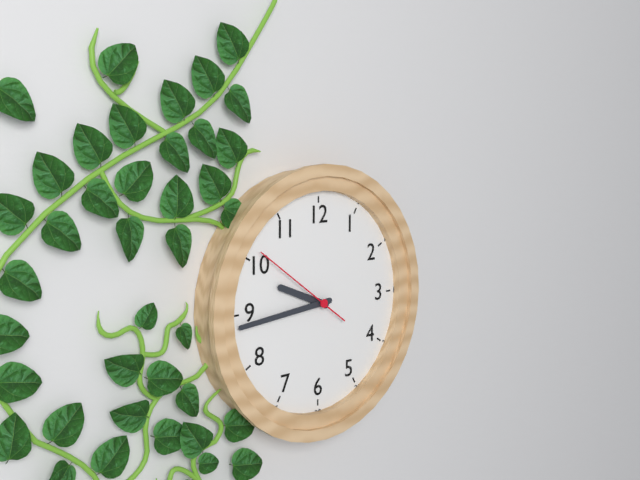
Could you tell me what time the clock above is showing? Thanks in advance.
9:44:51
